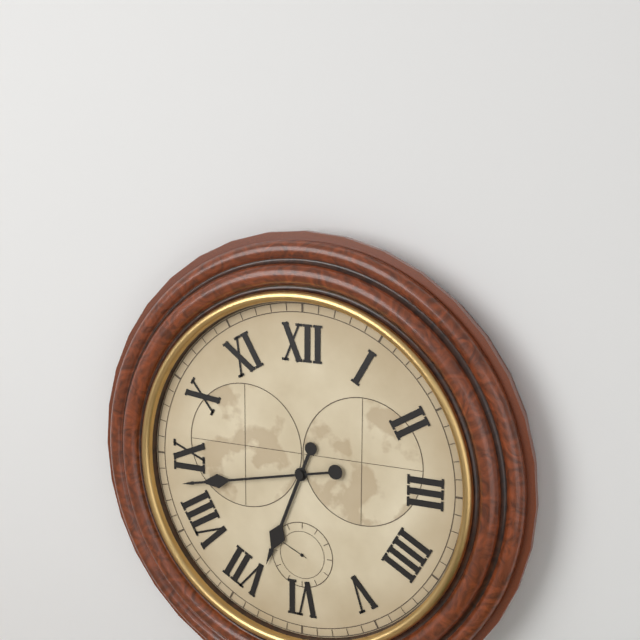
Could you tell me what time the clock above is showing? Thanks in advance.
6:43
